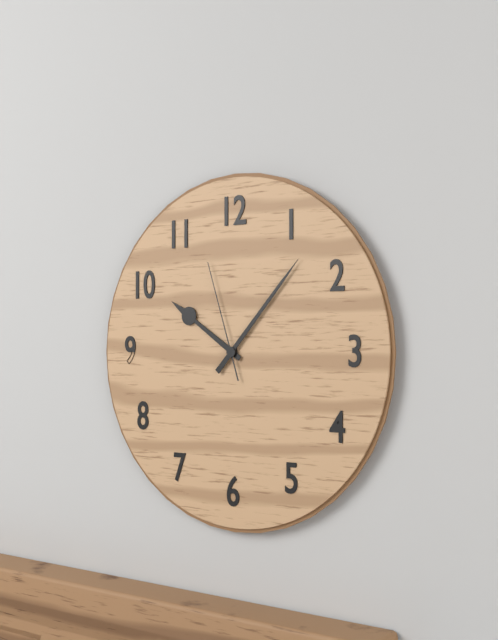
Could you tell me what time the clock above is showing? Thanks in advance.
10:07:57
